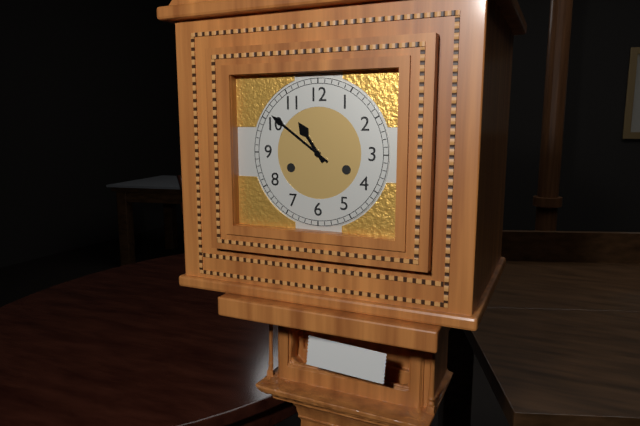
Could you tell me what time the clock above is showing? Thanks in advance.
10:51
